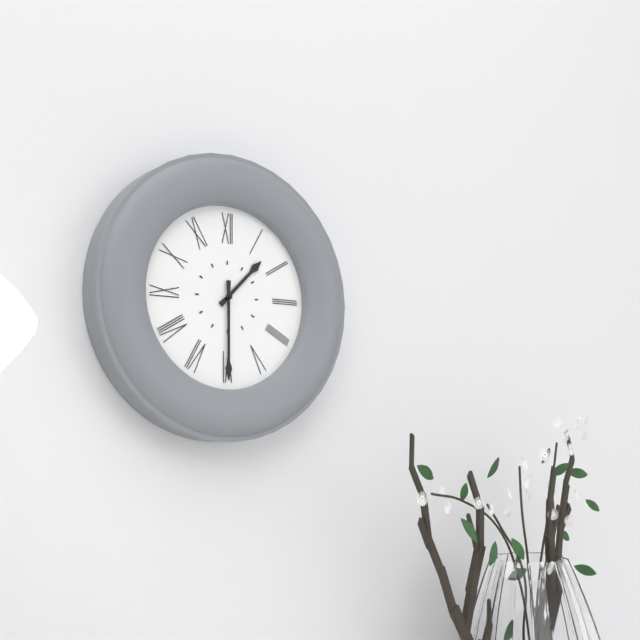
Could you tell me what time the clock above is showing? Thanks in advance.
1:30
